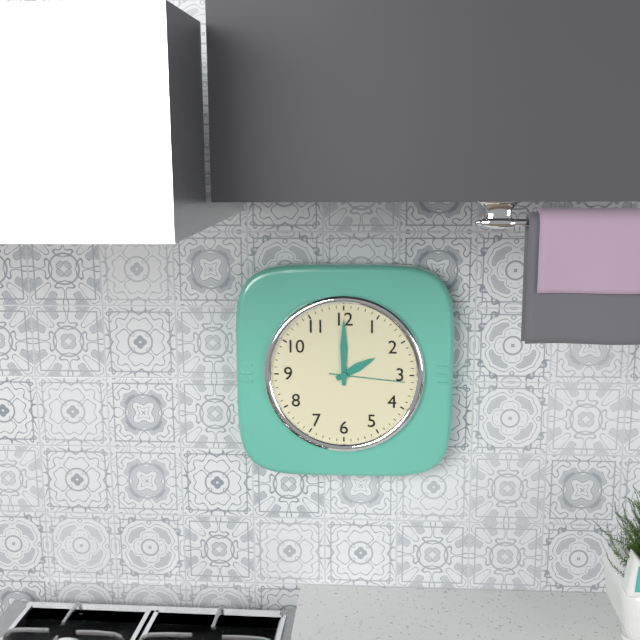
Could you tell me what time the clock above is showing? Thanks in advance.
2:00:16
